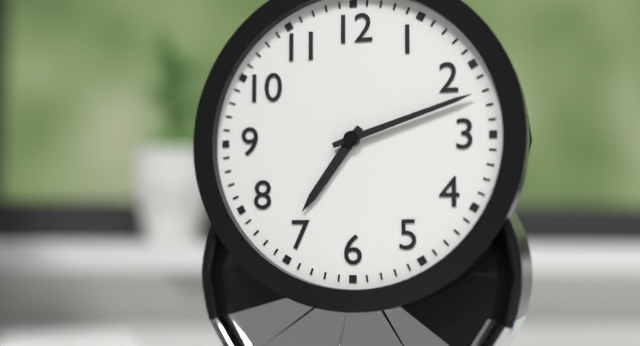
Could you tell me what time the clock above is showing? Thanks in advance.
7:12
